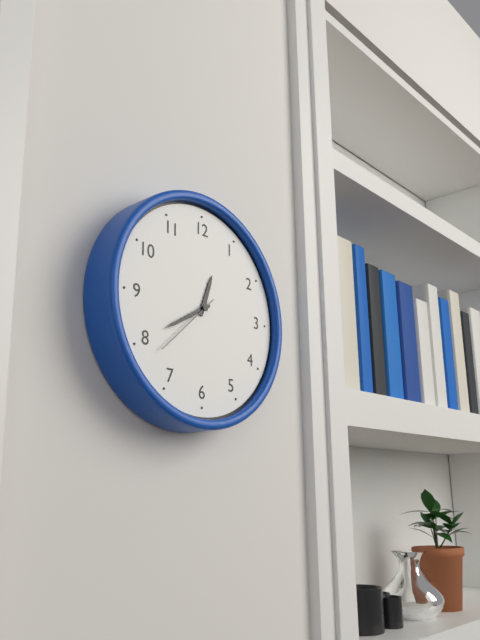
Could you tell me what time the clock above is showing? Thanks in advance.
12:40:38
